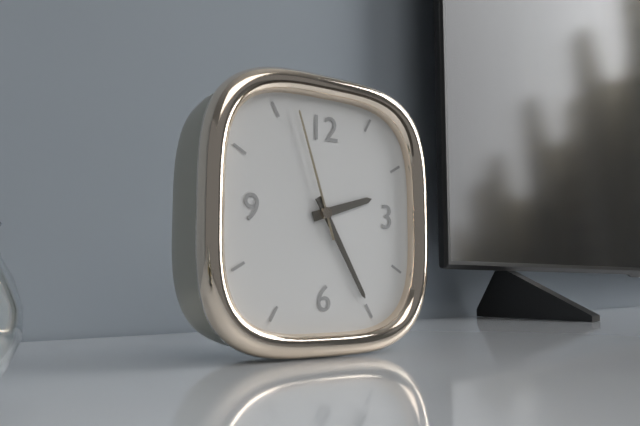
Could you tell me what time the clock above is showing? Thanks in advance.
2:25:57
